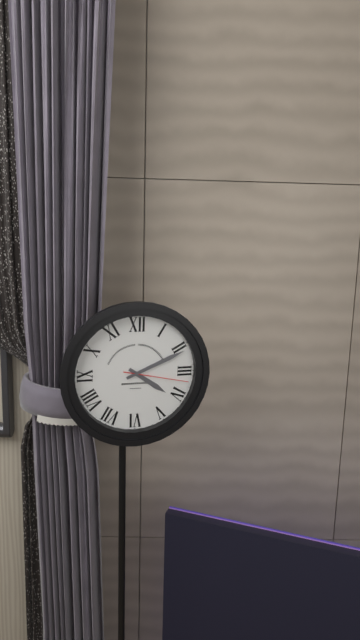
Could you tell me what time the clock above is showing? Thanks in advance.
4:11:17
